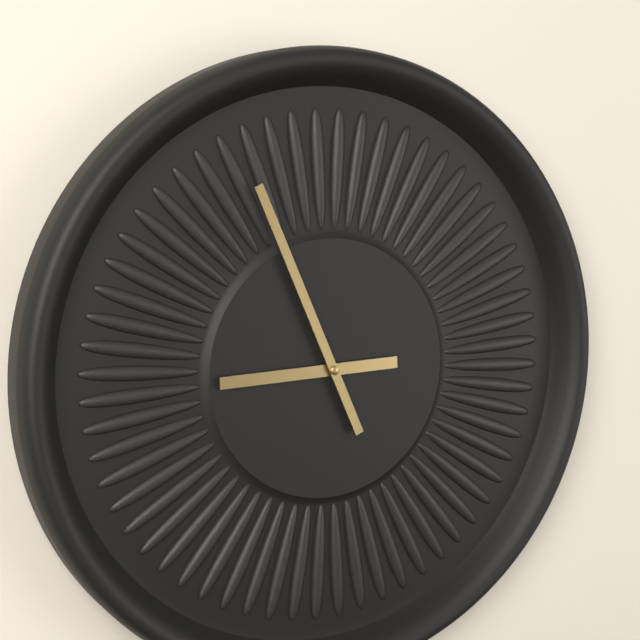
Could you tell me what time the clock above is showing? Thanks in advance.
8:56
